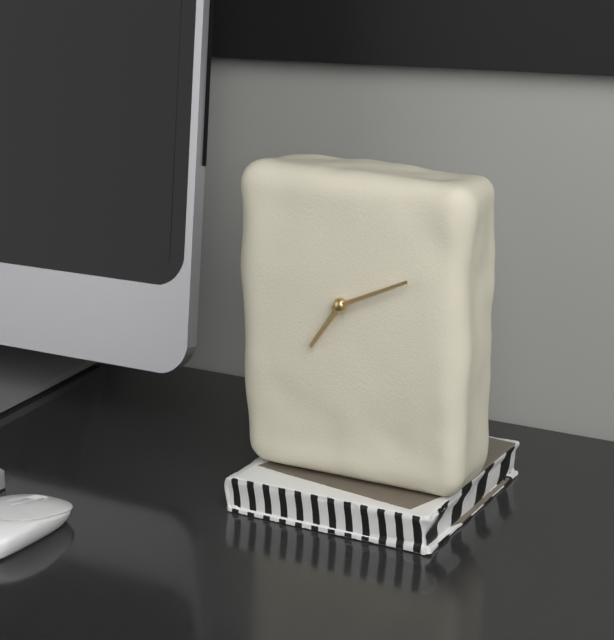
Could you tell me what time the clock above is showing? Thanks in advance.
7:11
